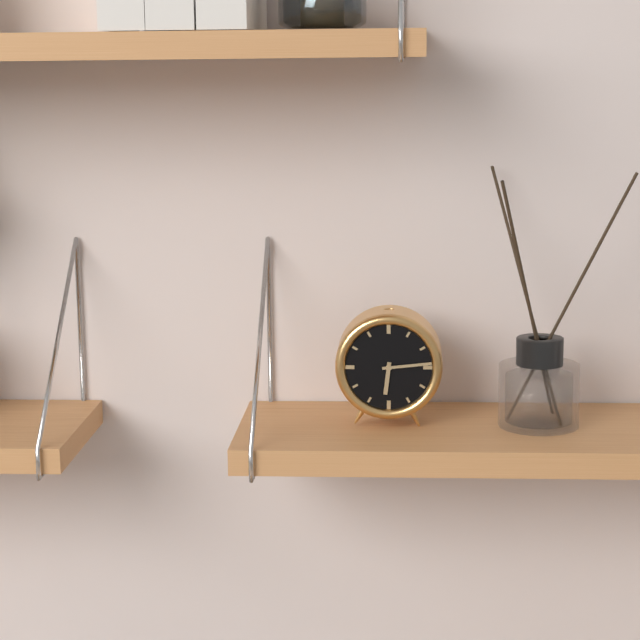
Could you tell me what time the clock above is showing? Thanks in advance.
6:14
